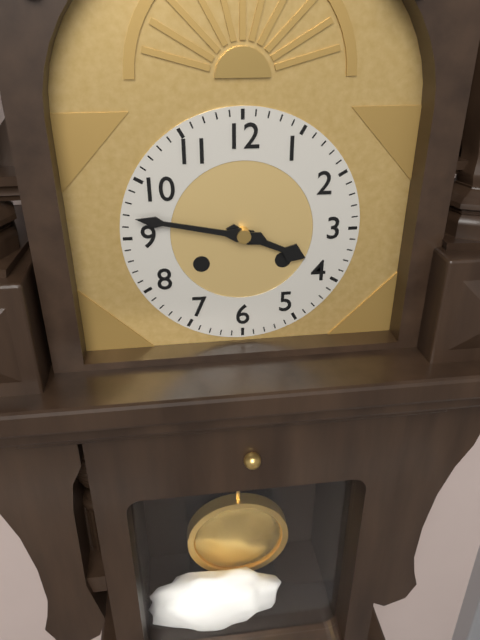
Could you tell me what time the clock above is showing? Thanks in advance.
3:47
